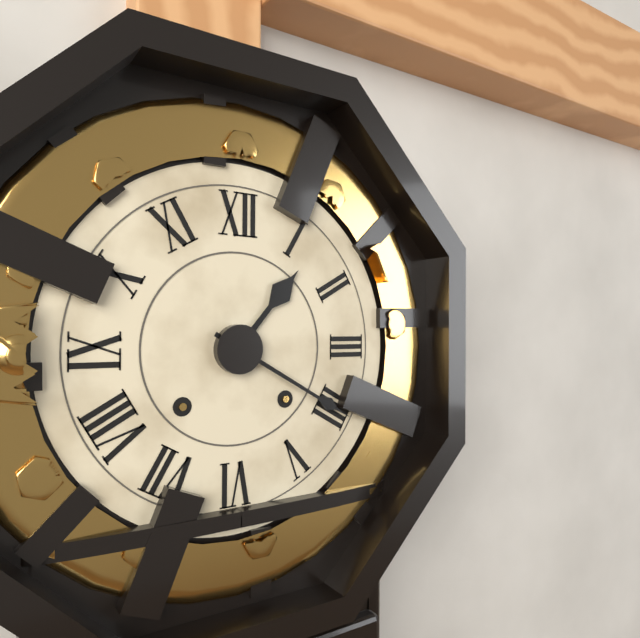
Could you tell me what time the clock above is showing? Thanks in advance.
1:20
